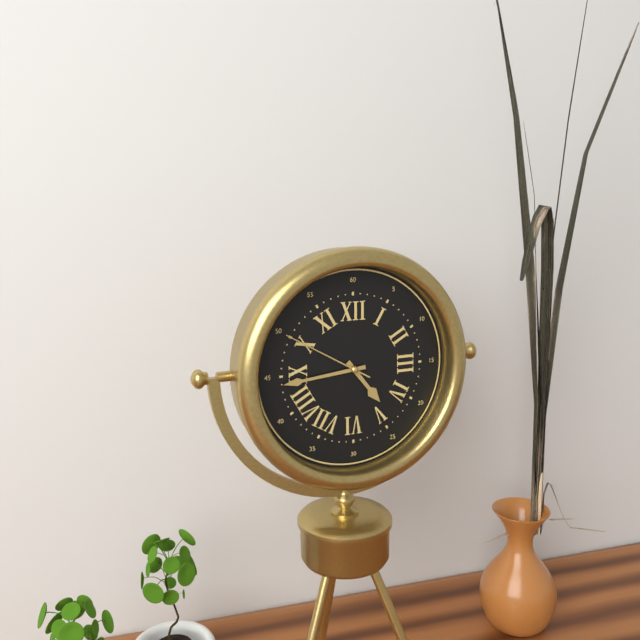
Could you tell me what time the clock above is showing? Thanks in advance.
4:44:50
